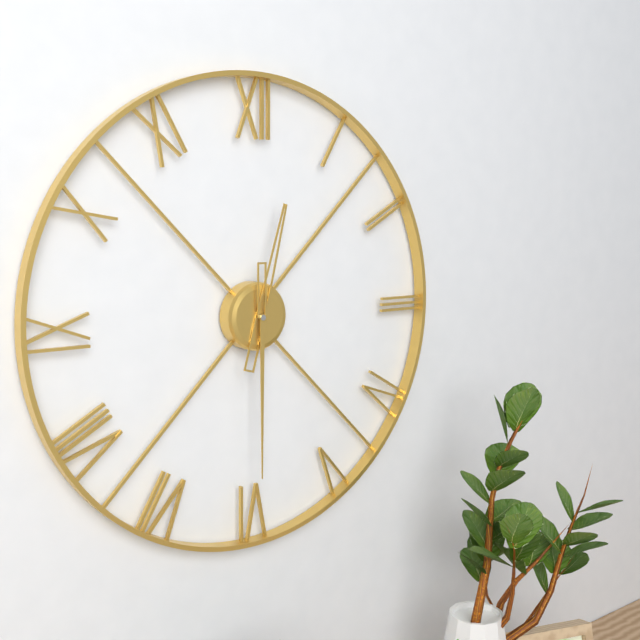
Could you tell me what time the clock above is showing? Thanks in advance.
12:30
